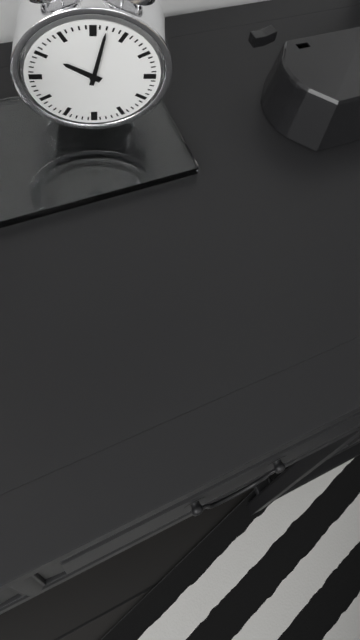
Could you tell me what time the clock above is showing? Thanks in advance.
10:02
